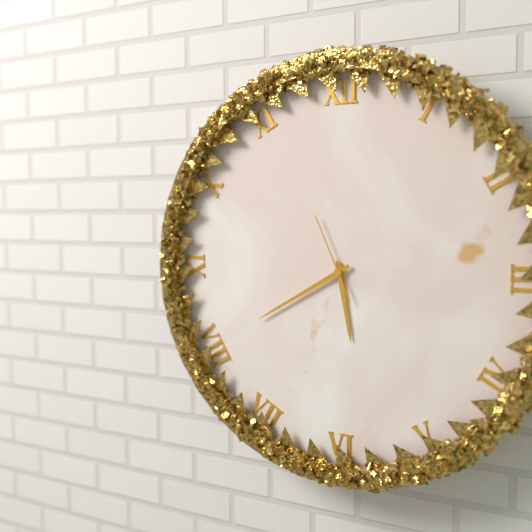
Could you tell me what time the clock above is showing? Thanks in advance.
5:40:56
